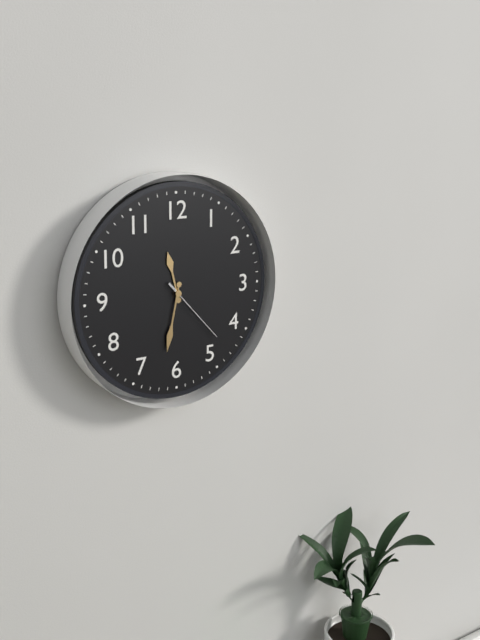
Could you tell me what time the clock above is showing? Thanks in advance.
11:32:23
